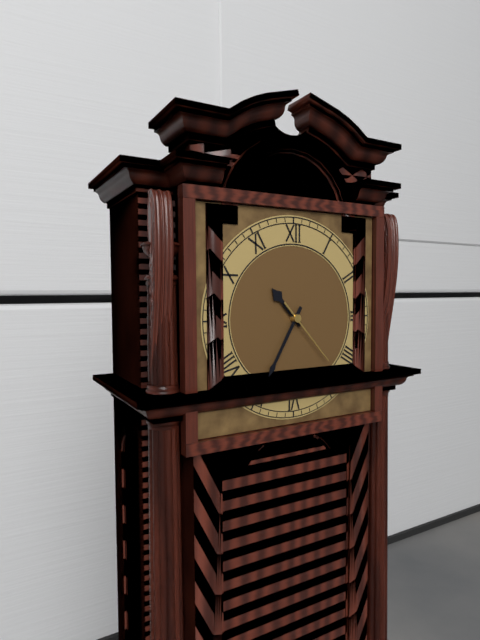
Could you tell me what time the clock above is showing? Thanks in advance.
10:35:23
